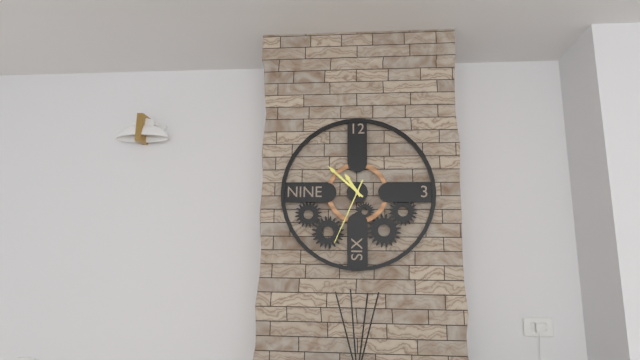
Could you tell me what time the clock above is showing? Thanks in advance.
10:52:34
